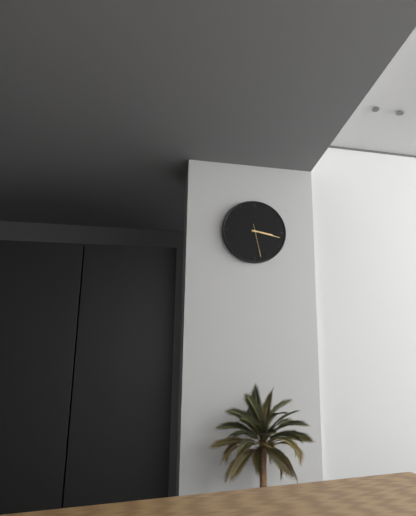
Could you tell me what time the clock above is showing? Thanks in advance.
3:17
